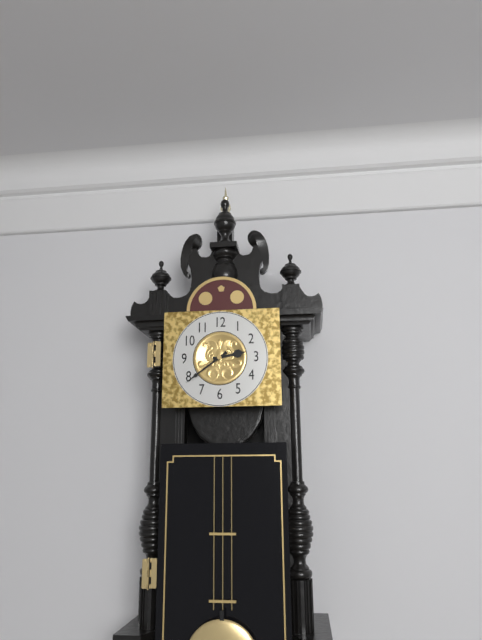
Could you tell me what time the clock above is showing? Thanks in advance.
2:39
